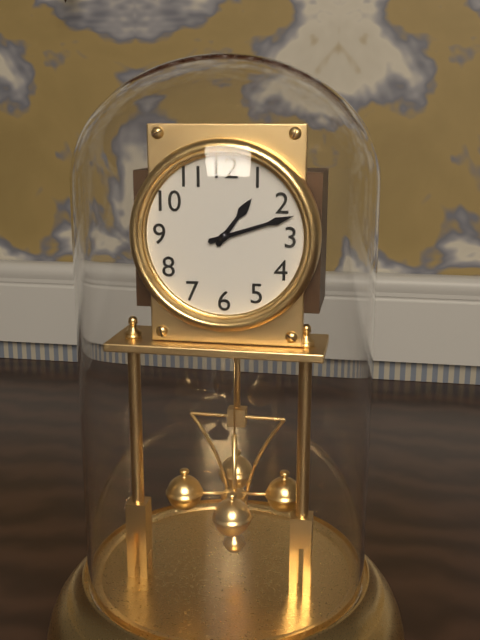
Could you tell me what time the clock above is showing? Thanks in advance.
1:12
